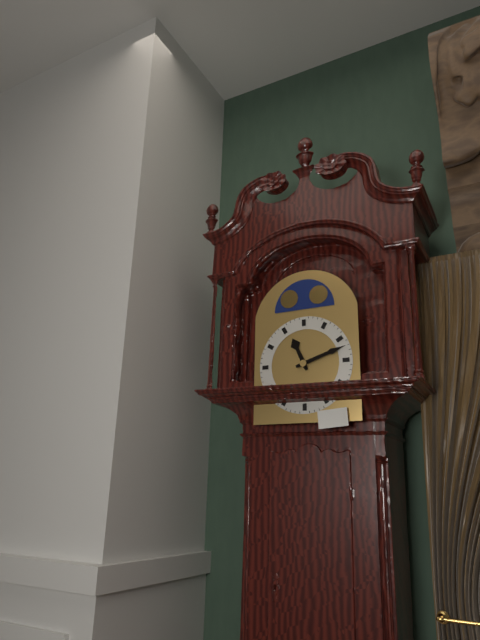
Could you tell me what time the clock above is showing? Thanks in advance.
11:12
